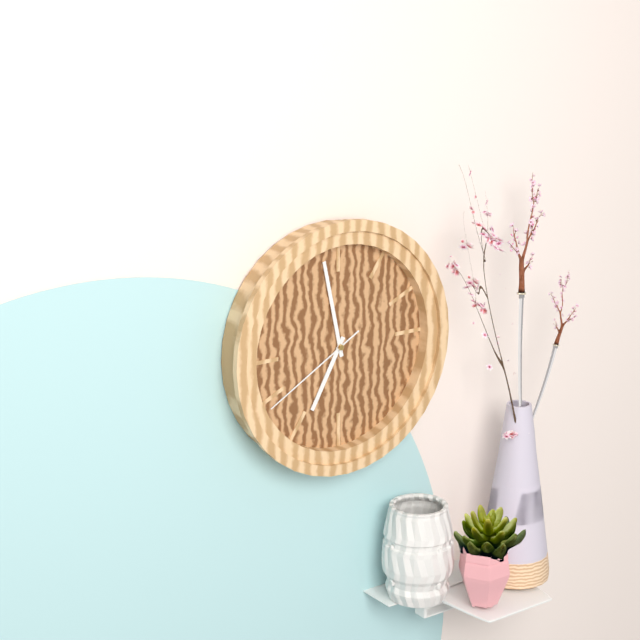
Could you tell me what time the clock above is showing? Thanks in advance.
6:58:40
